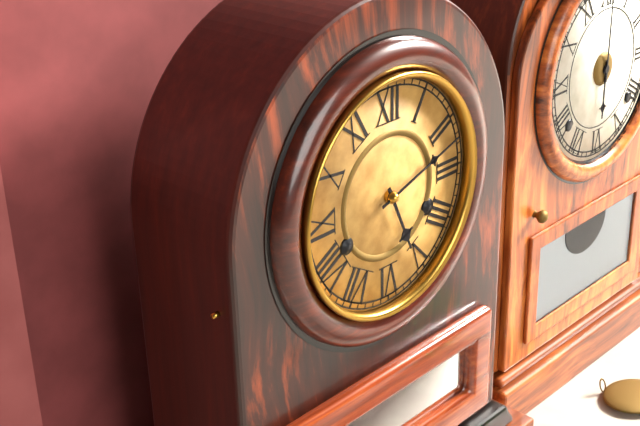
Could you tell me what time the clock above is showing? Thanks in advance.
5:12
